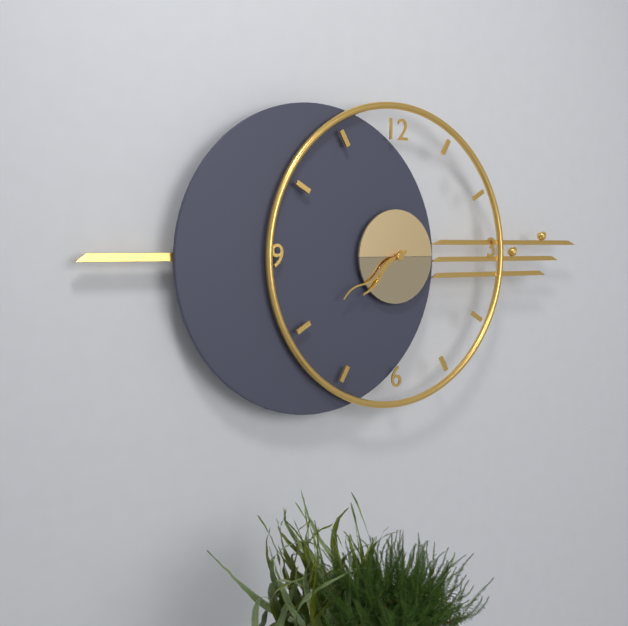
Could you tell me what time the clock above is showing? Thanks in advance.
7:40
